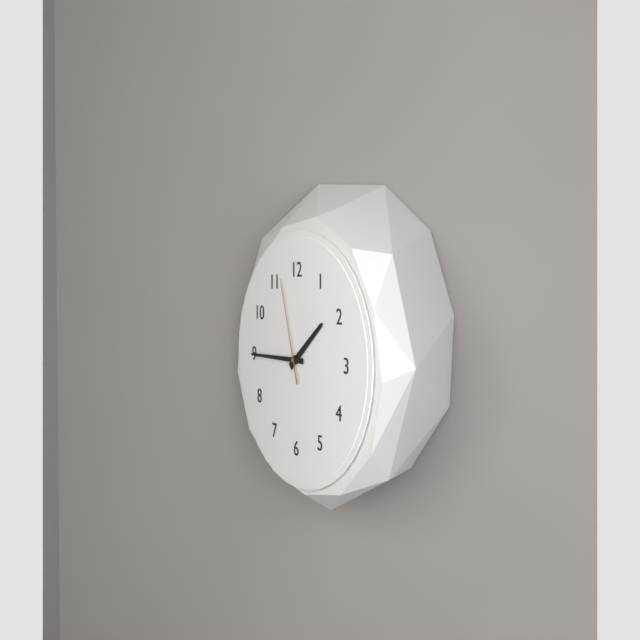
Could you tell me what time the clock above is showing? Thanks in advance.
1:45:57
